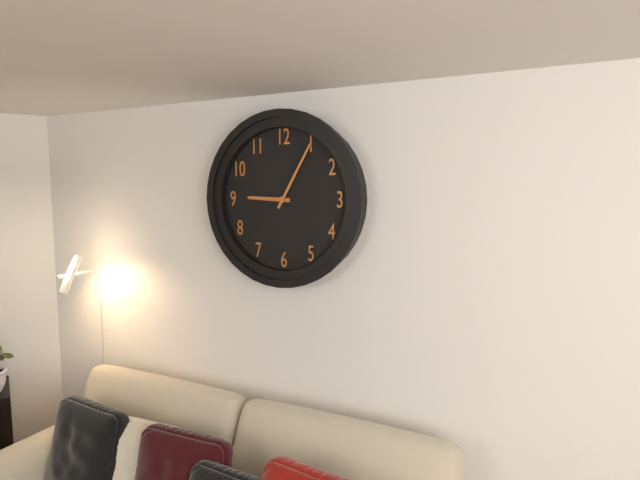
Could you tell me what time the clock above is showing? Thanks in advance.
9:05
